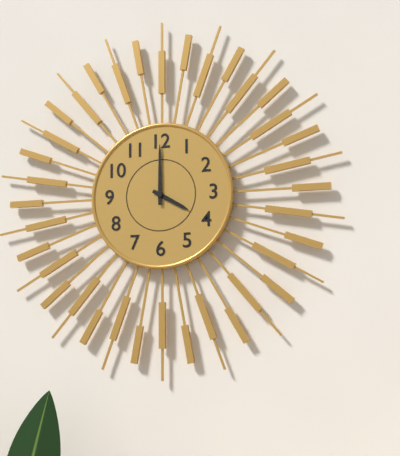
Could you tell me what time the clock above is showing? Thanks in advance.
4:00
